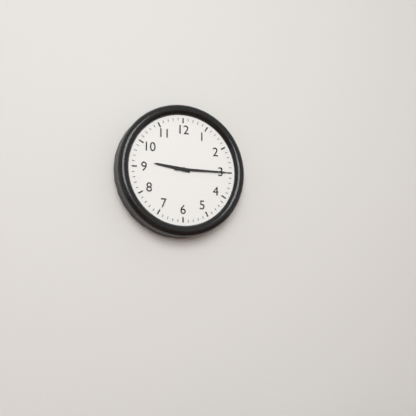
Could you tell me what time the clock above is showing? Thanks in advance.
9:15
